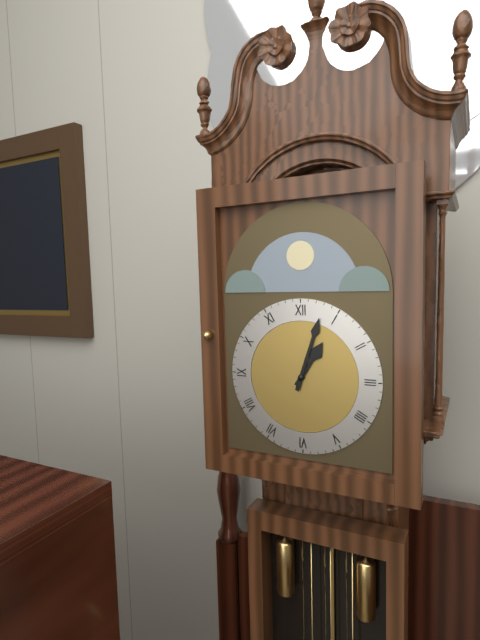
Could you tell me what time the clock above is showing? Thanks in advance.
1:03
